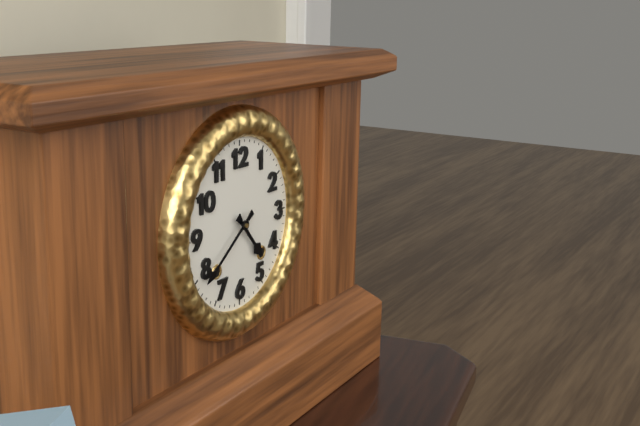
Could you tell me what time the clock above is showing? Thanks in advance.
4:39
